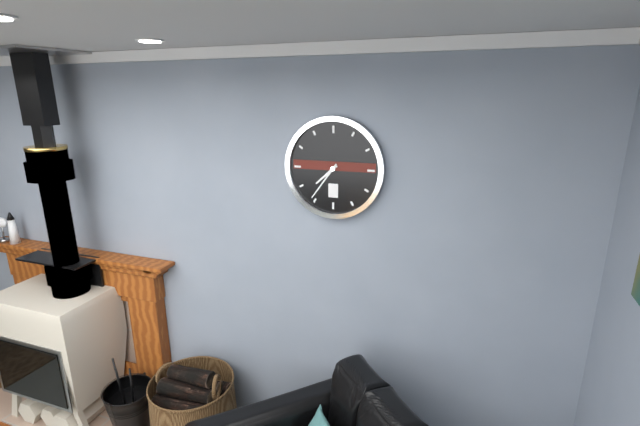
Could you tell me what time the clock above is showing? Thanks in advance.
7:36
